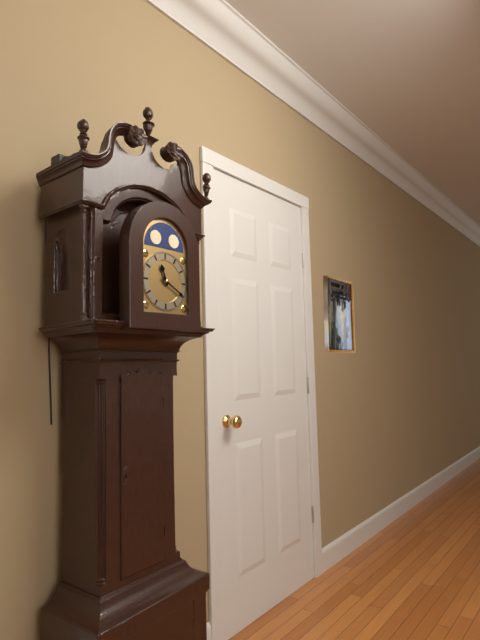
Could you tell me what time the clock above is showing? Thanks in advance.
11:20
